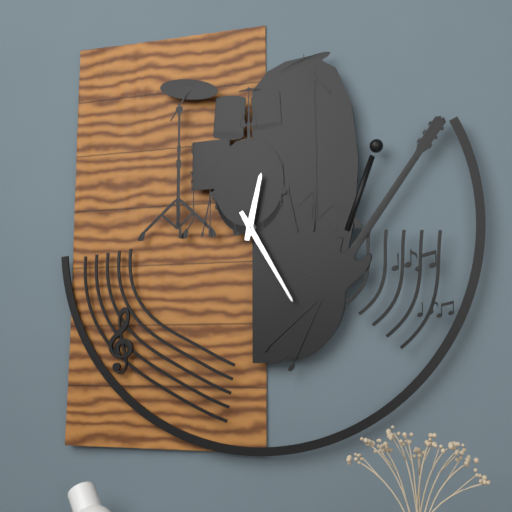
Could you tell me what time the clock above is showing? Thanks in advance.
12:25
